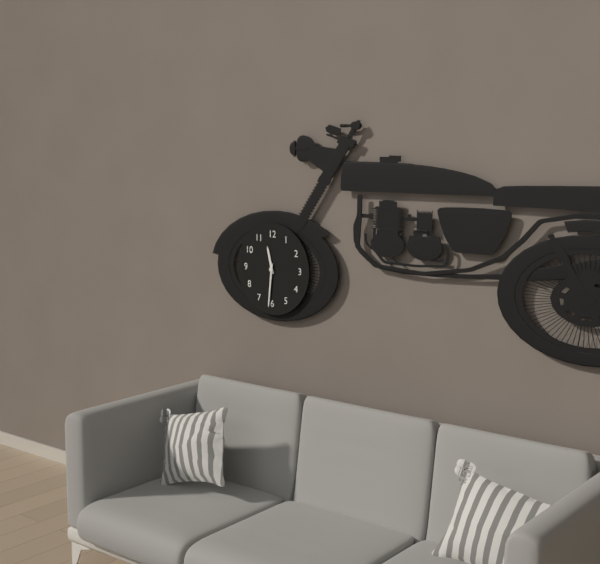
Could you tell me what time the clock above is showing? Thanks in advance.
11:31
